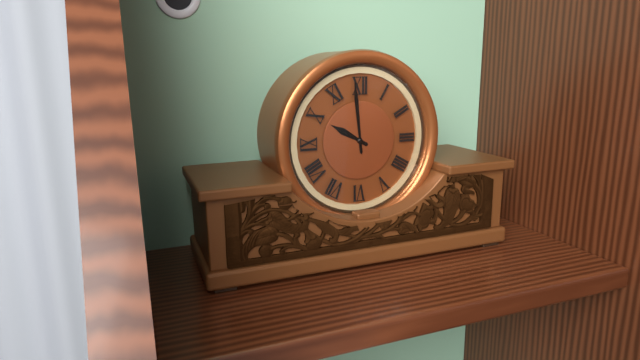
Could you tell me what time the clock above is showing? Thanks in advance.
9:59
